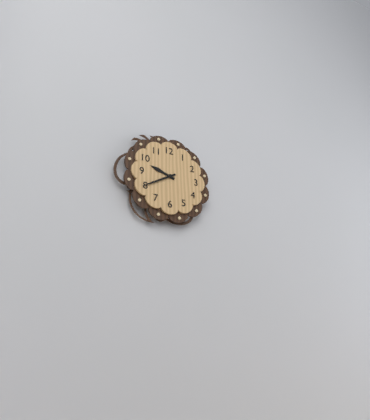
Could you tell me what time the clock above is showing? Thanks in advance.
9:40
